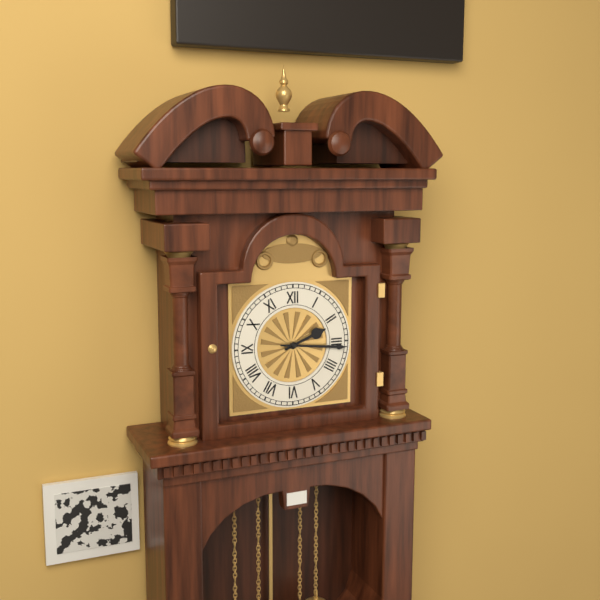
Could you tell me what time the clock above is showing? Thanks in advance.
2:16
